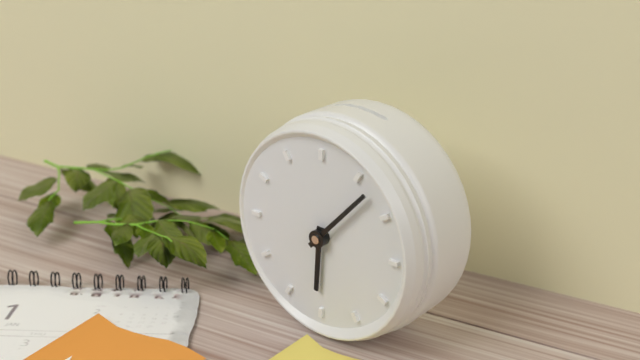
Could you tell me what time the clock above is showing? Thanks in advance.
6:07
